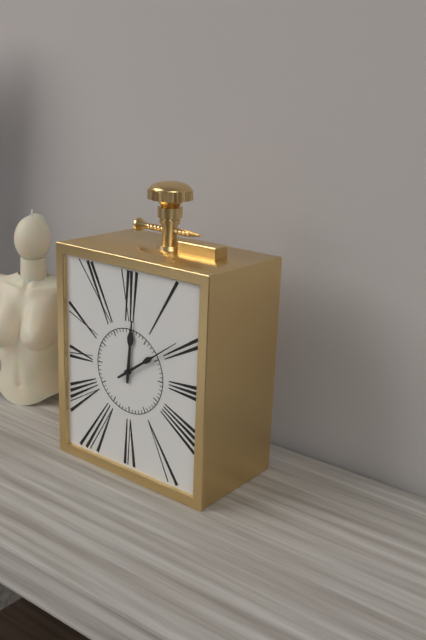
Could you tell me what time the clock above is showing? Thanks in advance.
12:09
